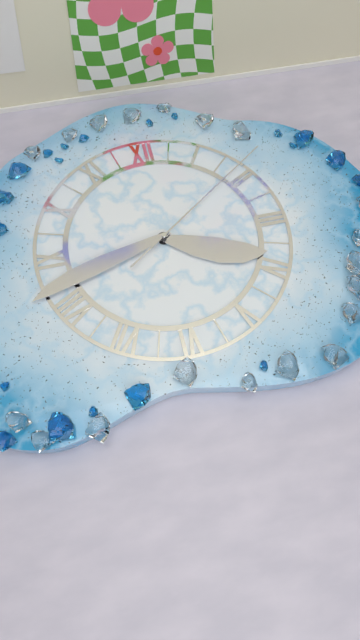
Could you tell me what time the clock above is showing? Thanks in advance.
3:42:09
